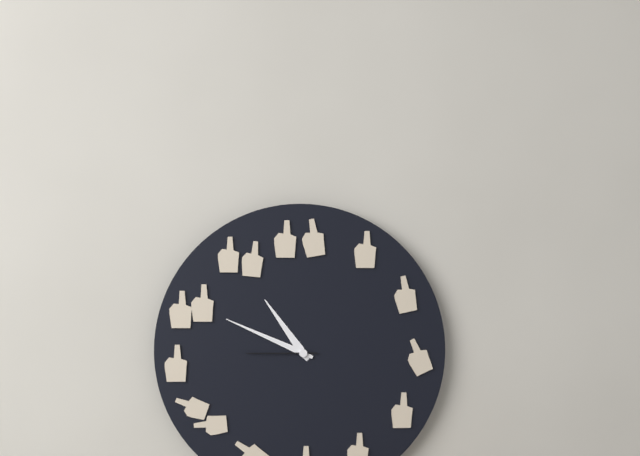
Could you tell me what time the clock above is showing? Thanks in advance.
10:49:45
